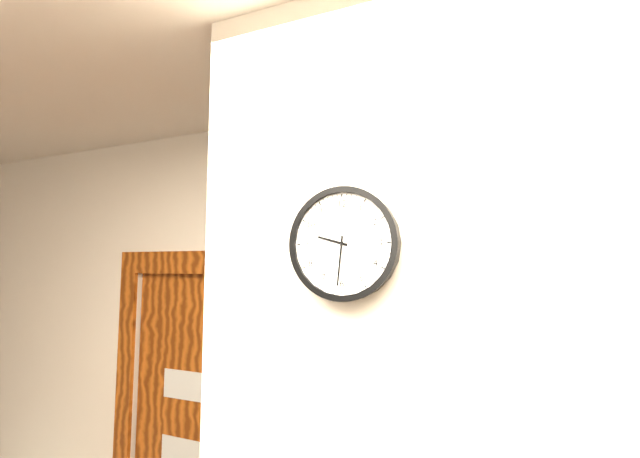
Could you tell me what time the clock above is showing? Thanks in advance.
9:31
